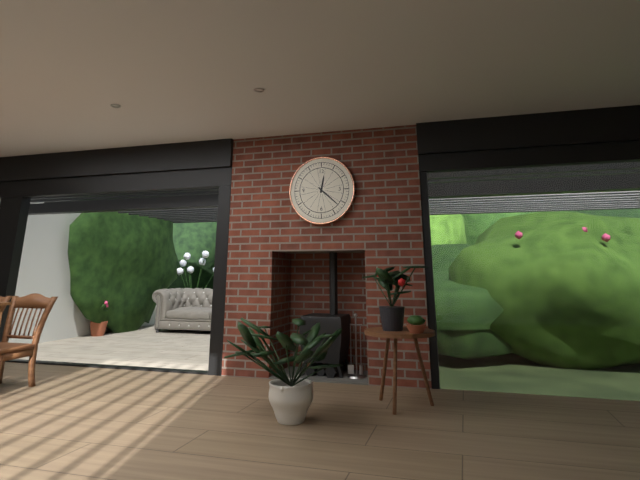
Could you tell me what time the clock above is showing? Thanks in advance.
12:22
